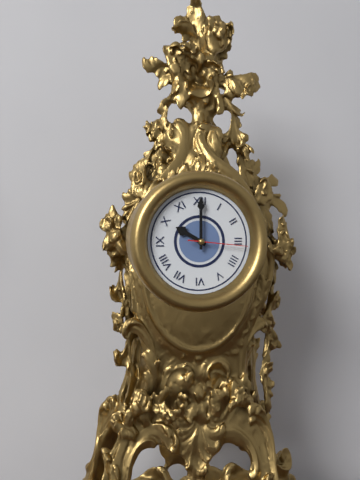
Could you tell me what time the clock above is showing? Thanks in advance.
10:00:16
